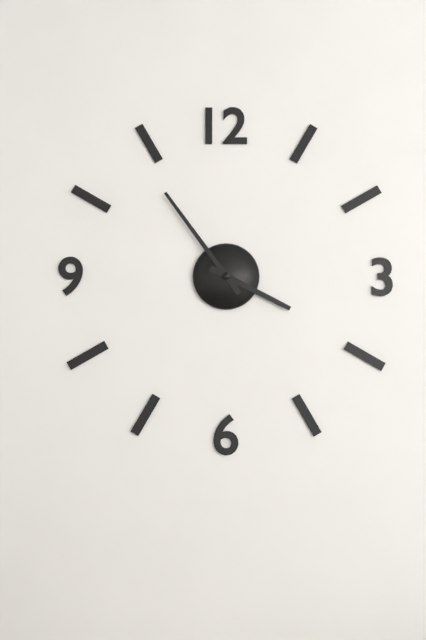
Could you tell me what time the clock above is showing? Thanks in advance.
3:54
